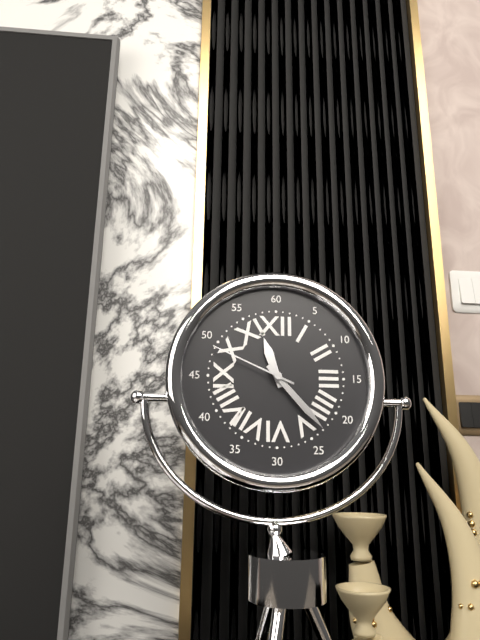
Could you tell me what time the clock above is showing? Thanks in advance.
11:23:49
